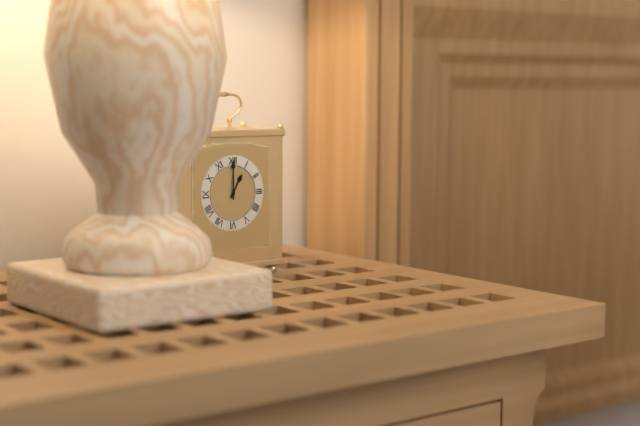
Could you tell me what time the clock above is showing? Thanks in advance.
1:00
